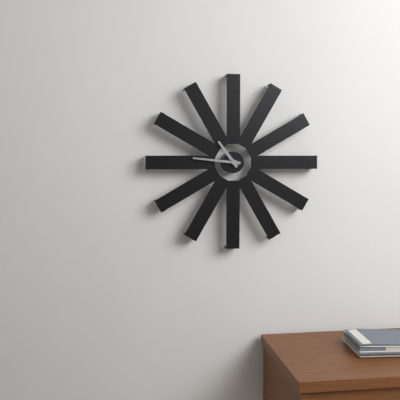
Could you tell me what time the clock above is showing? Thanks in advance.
10:46
